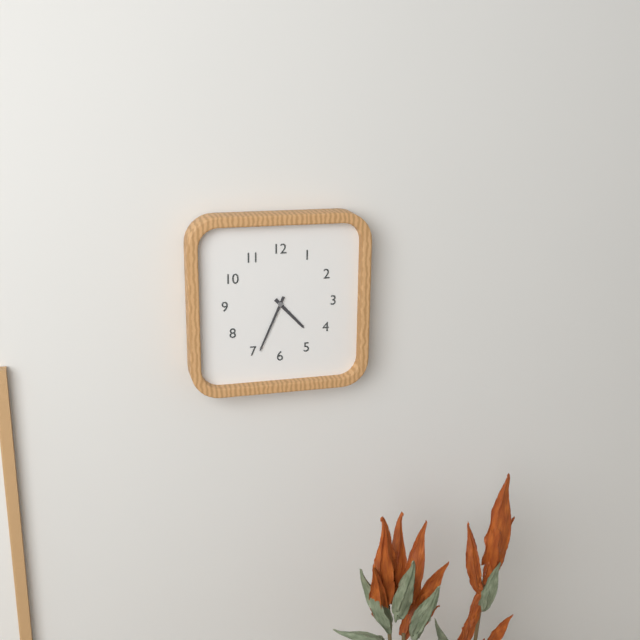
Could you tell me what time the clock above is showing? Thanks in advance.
4:34
